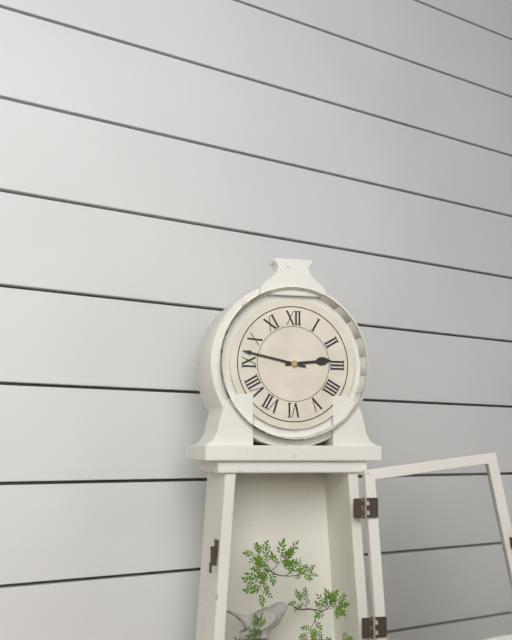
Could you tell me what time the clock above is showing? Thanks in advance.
2:47
